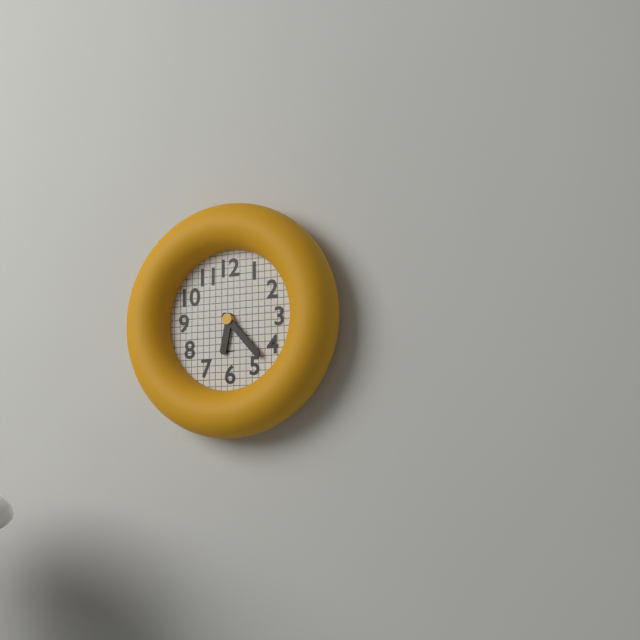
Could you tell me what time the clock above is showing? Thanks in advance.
6:23
